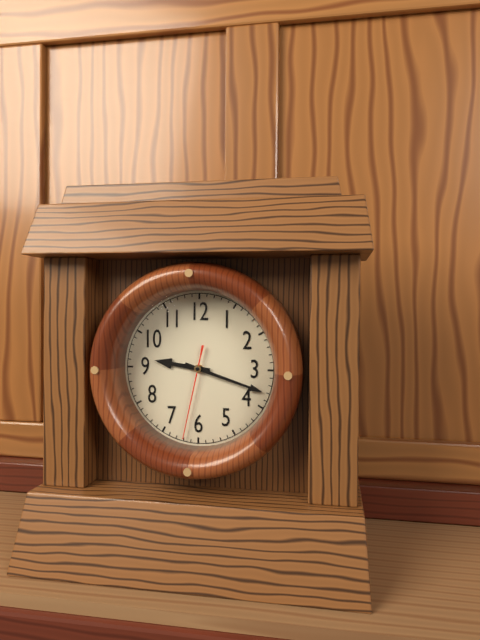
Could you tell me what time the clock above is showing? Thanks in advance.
9:18:32
